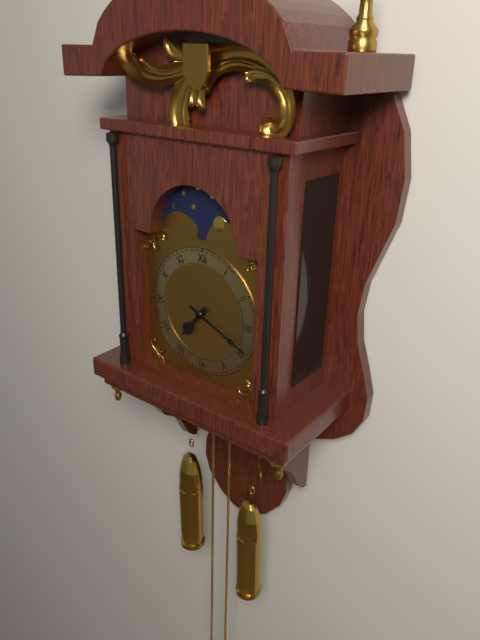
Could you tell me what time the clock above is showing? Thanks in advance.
7:19
